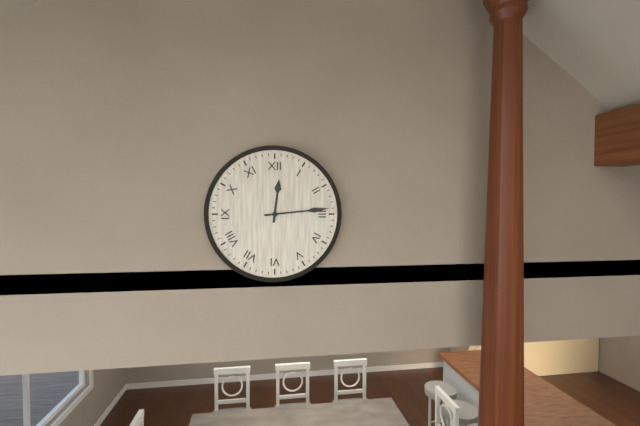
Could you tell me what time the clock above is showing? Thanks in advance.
12:14
